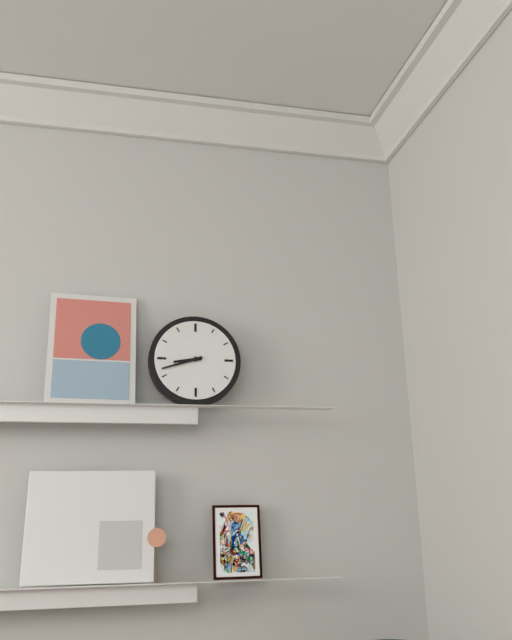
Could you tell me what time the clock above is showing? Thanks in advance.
8:42
